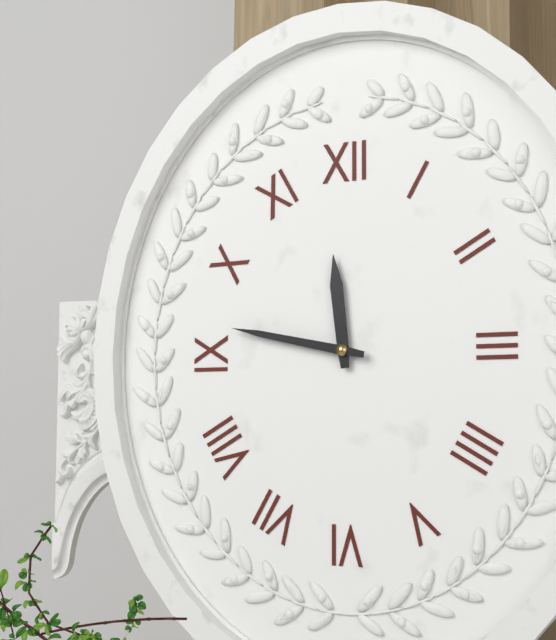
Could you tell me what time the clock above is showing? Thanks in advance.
11:47
